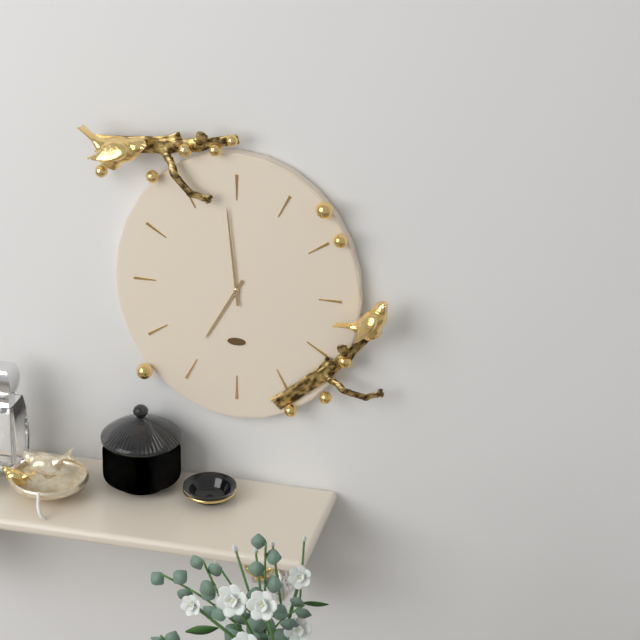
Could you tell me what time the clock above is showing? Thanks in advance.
6:59
